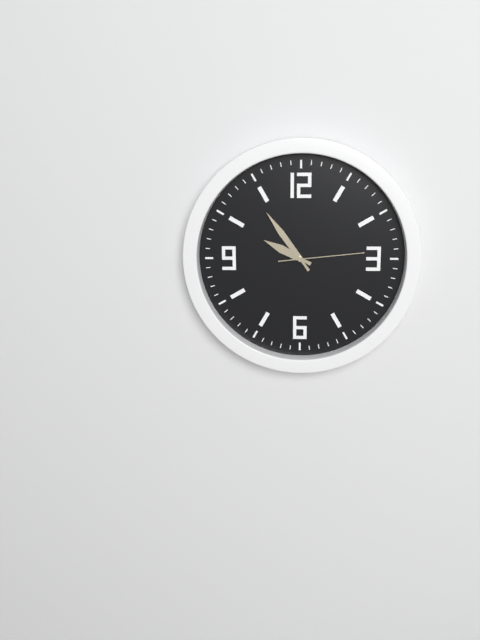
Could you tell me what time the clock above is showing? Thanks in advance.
9:54:14
